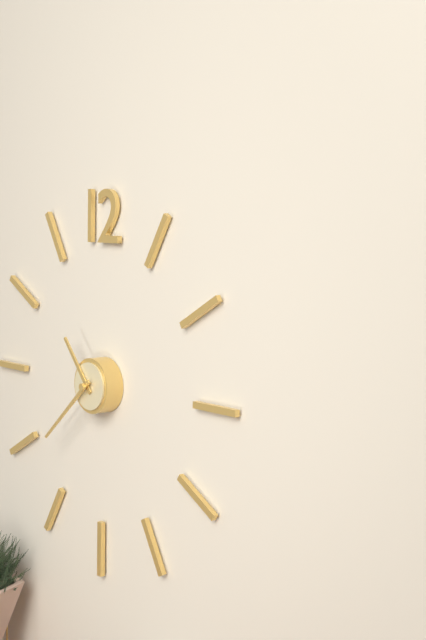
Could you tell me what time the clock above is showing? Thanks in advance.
10:38
